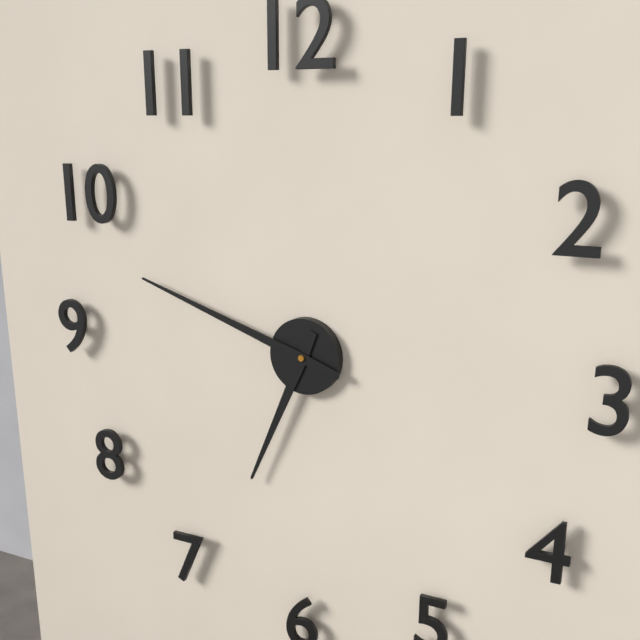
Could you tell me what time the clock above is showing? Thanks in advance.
6:48
